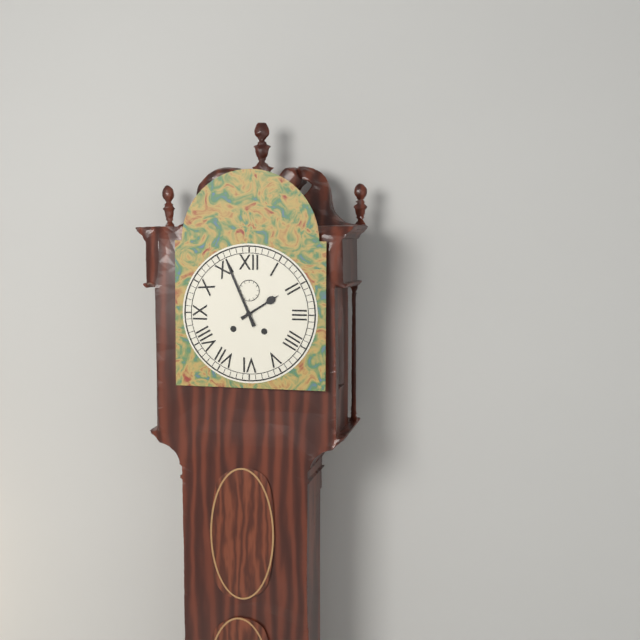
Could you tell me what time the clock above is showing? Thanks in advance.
1:56
